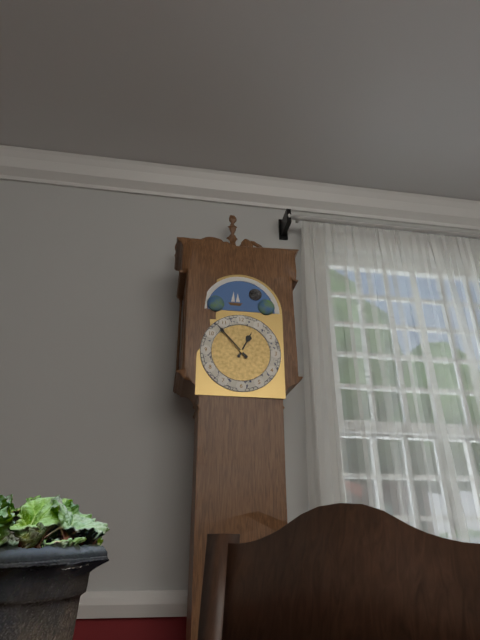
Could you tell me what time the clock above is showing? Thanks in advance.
12:53
